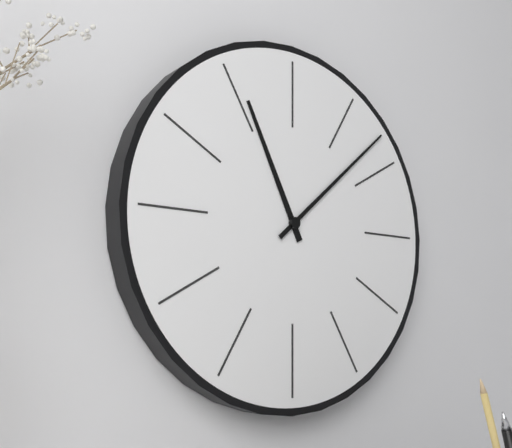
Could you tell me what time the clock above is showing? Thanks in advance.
11:08
